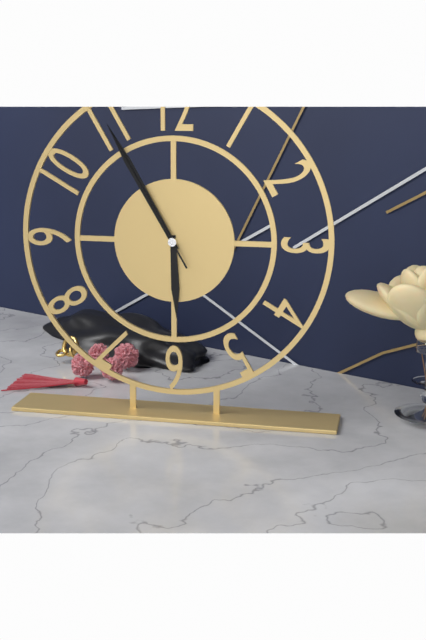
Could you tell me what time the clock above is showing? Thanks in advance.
5:55:55
